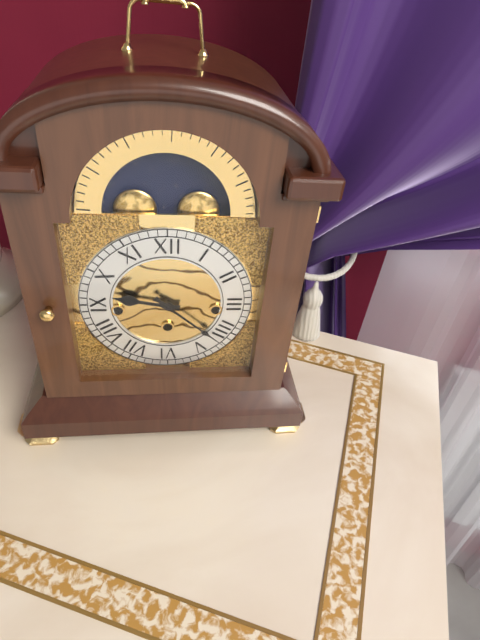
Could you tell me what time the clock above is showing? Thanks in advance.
9:22
